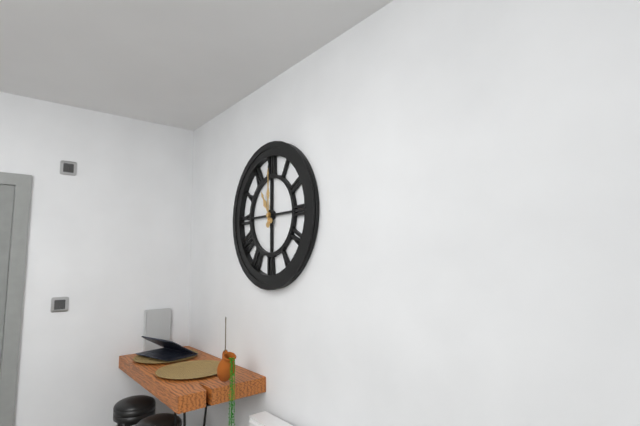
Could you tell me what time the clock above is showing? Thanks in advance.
11:00
